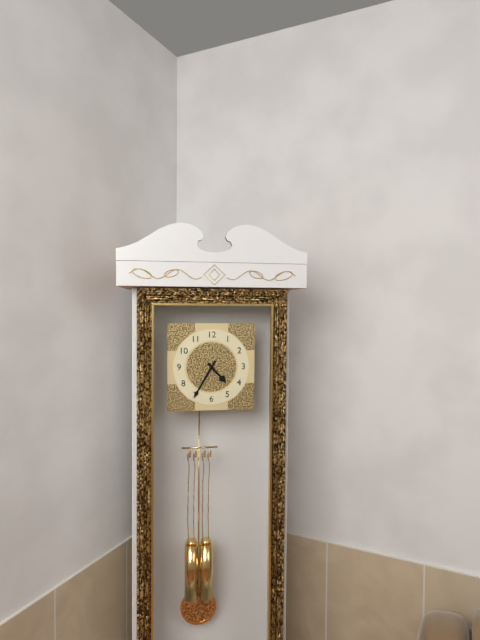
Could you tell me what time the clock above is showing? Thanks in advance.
4:35
